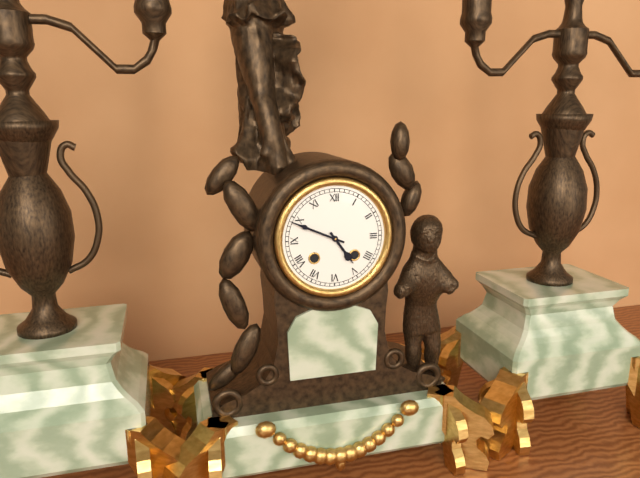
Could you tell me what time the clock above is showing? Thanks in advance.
4:49
